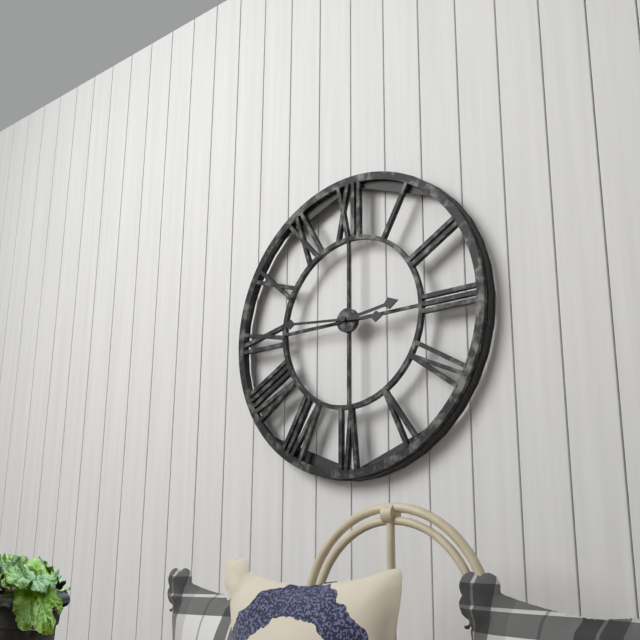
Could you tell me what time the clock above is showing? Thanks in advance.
2:46
